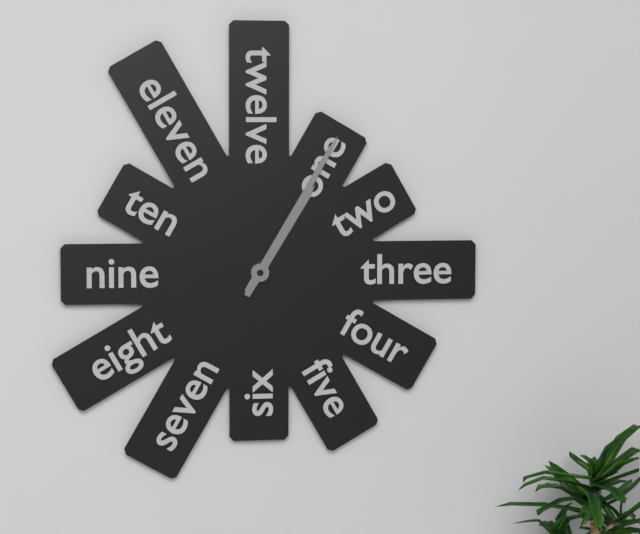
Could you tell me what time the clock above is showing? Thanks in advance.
1:05
